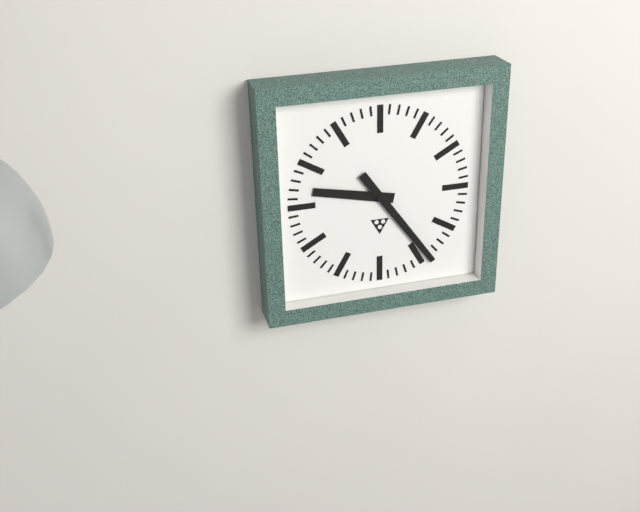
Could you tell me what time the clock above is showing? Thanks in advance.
9:24
